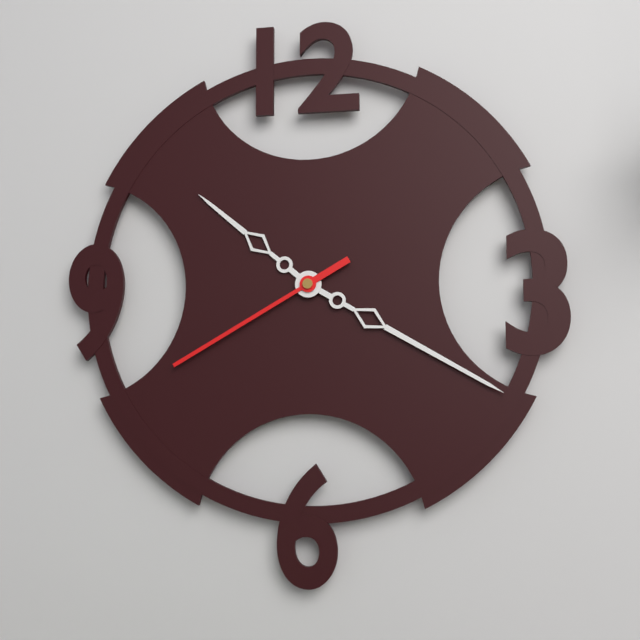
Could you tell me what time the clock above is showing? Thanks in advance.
10:20:40
